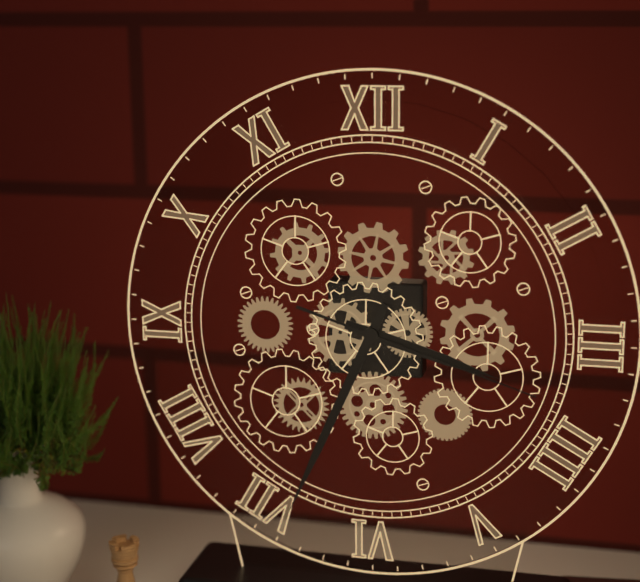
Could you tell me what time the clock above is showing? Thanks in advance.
3:34:18
